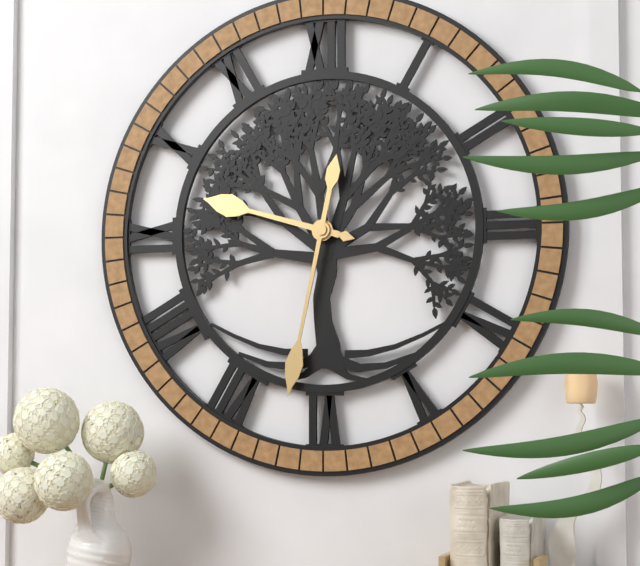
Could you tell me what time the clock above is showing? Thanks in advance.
9:32
